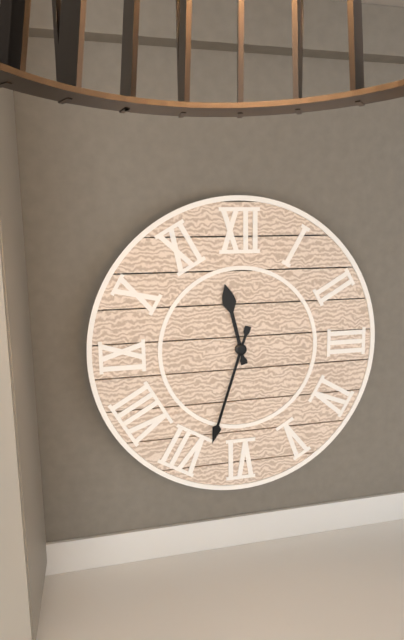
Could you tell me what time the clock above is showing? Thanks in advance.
11:33
